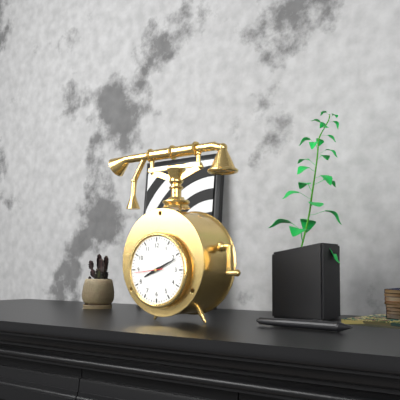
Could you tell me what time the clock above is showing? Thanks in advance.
8:11
